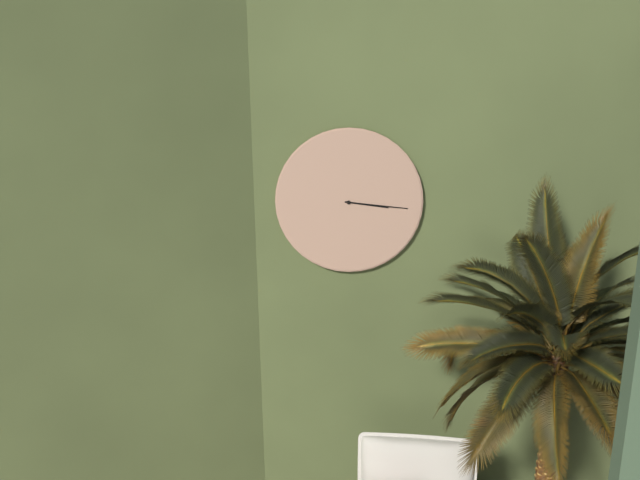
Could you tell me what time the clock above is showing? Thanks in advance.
3:16
